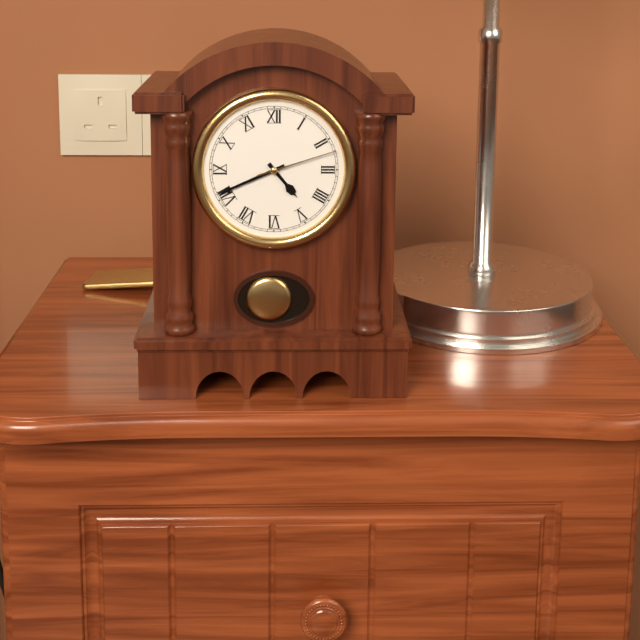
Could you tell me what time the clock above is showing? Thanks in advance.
4:41:12
